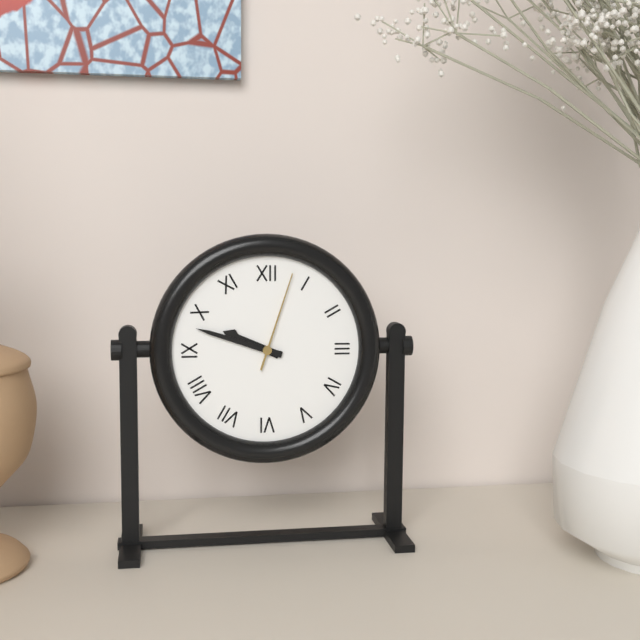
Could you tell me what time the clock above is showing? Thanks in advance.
9:48:03
